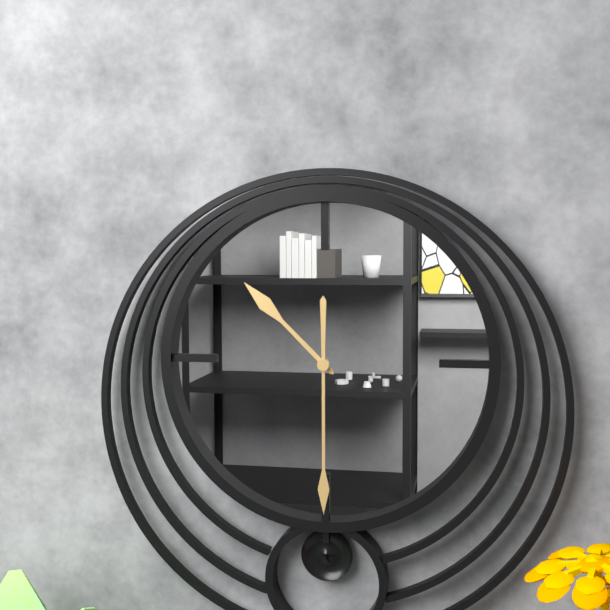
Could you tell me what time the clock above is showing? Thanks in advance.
10:30
